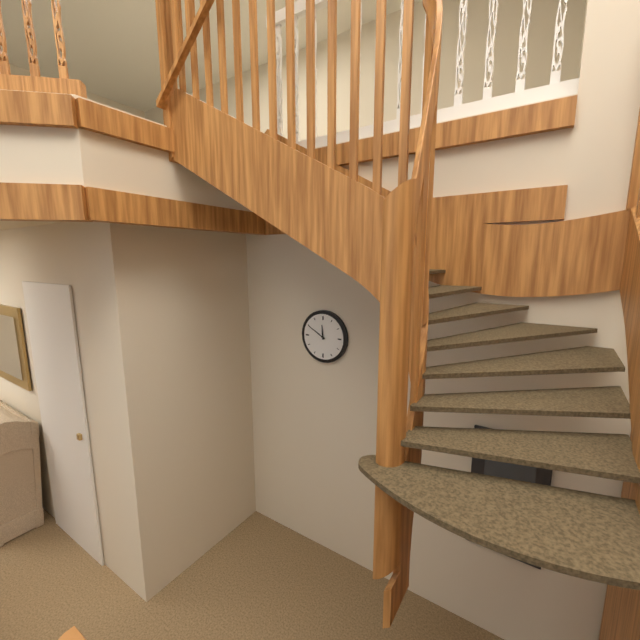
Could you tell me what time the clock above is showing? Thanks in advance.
11:50
